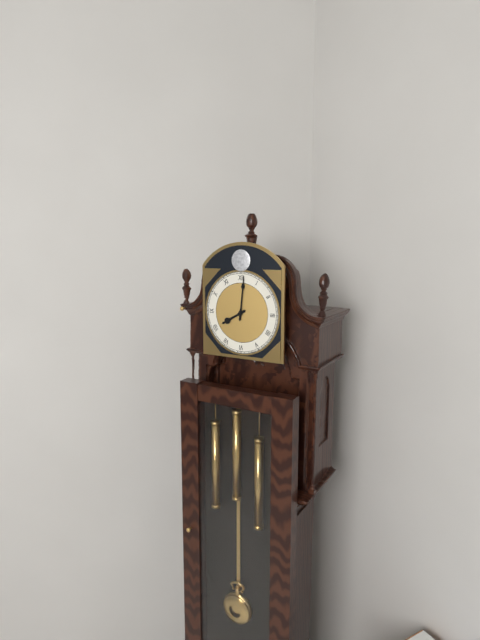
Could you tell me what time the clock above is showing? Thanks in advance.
8:01
